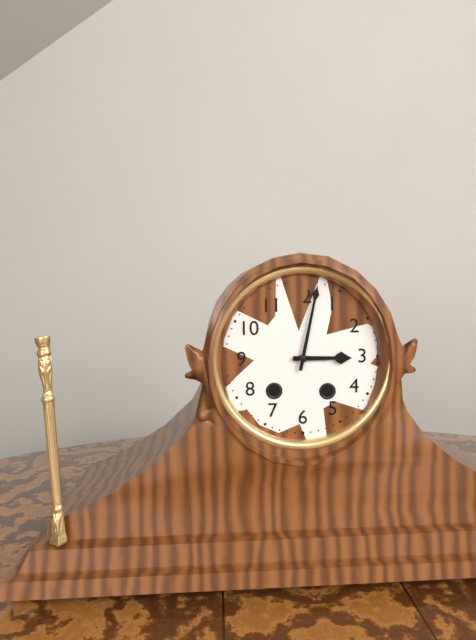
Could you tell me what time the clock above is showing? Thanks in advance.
3:02
